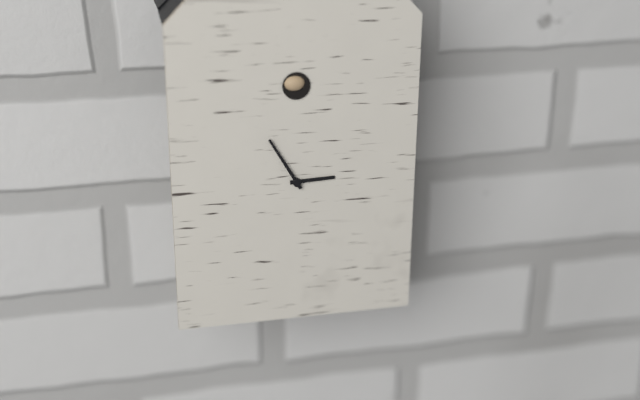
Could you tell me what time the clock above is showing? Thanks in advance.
2:55
